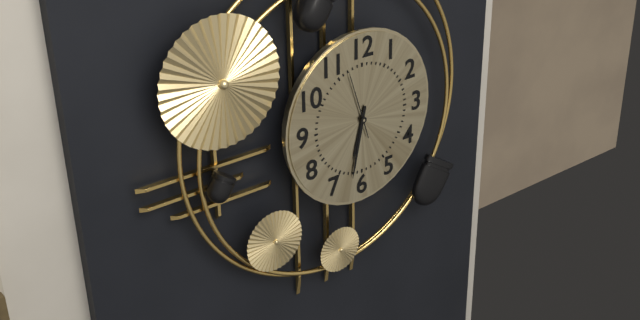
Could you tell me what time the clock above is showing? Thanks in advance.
6:32:57
